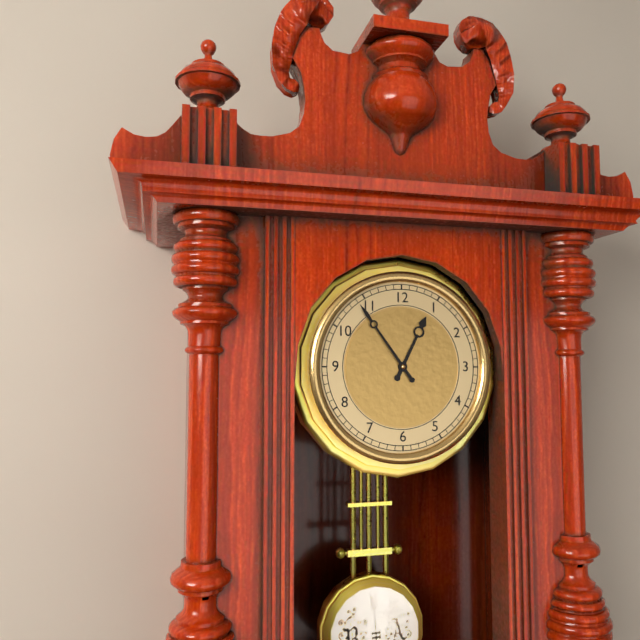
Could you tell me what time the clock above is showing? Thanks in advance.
12:54
